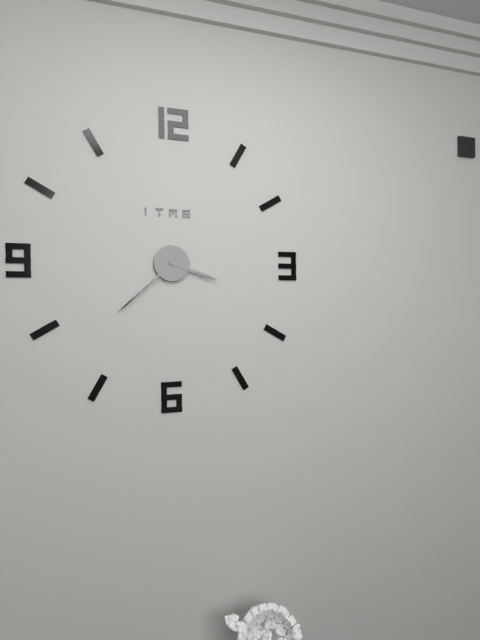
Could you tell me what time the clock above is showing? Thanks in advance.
3:38
